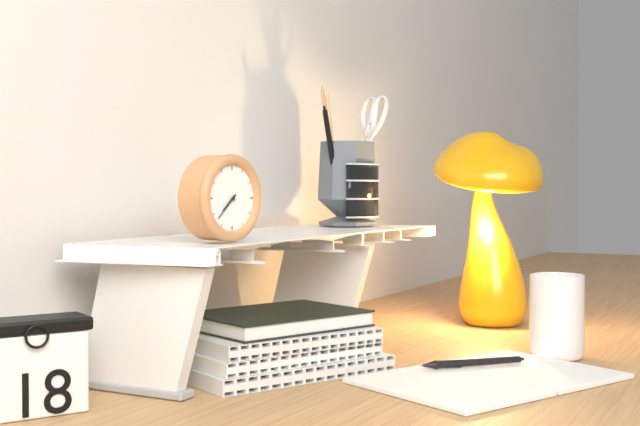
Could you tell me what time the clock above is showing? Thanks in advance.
7:38
